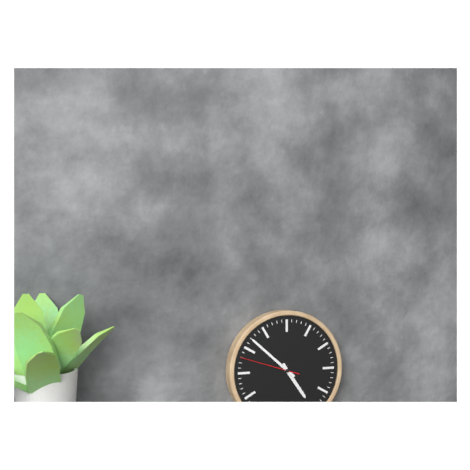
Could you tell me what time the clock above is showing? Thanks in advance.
4:52:48
